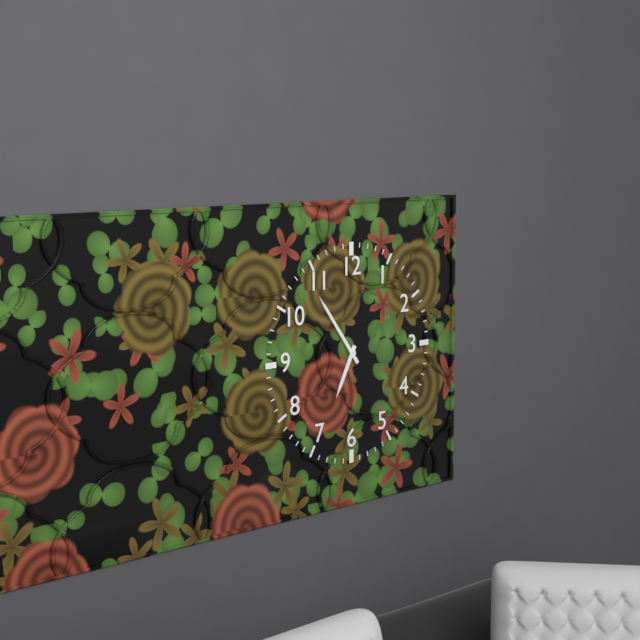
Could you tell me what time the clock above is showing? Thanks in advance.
6:54
